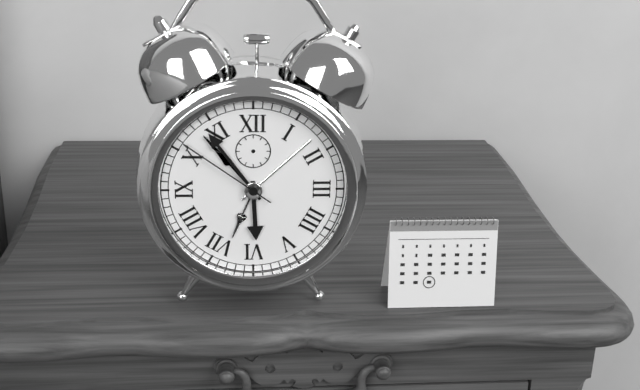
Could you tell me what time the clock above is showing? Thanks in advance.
5:54:51
